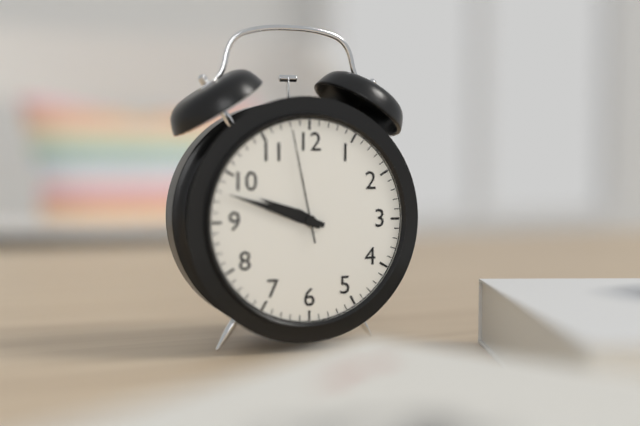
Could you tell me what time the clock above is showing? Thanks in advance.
9:48:58
